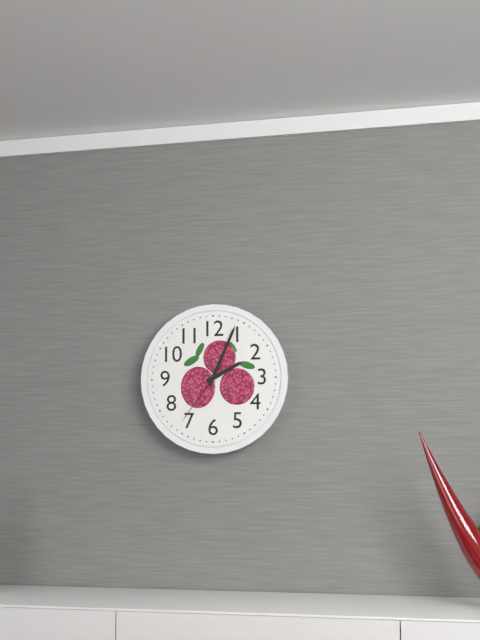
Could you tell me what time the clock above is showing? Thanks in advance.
2:04:36
